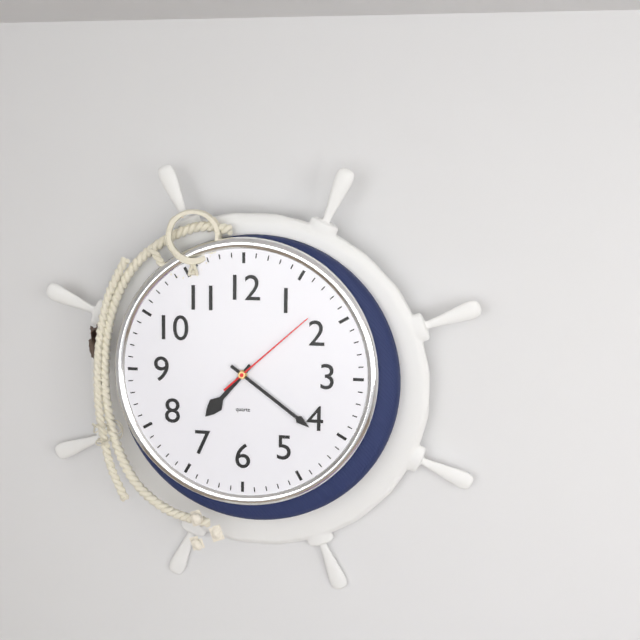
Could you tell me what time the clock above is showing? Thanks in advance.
7:21:08
